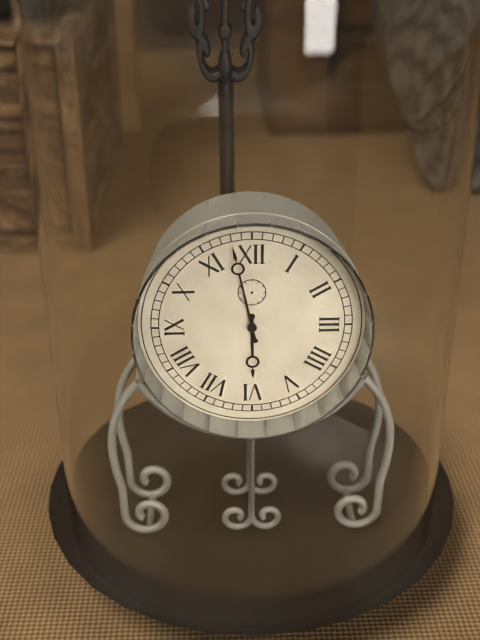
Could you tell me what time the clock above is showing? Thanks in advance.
5:58
